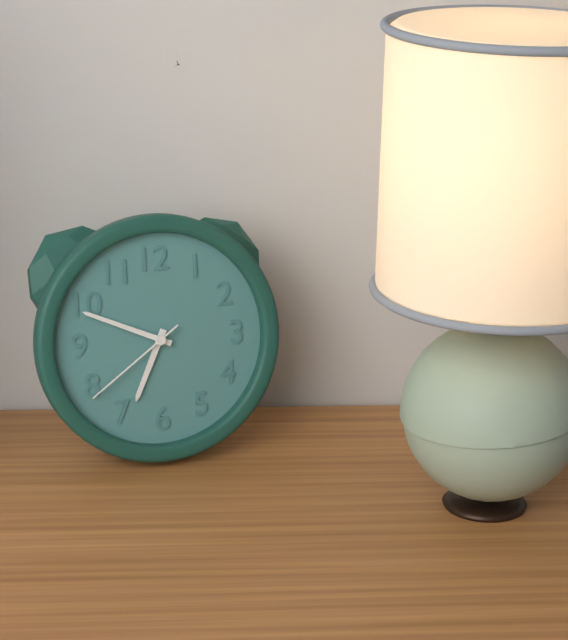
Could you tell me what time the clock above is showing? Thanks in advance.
6:49:39
